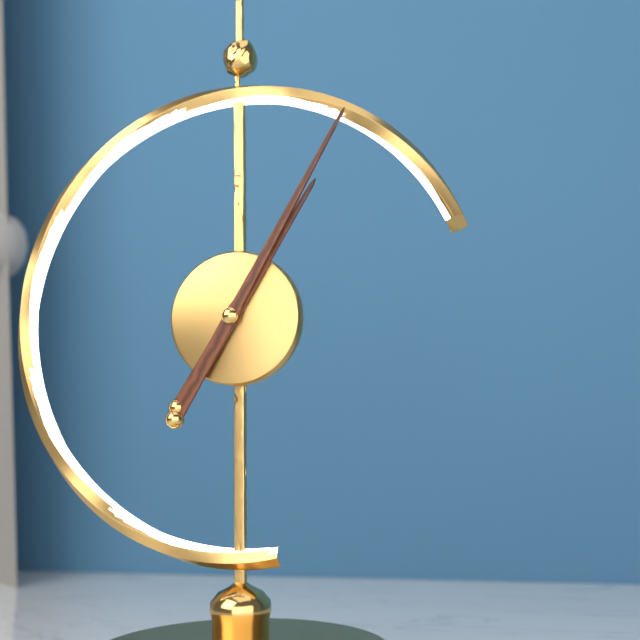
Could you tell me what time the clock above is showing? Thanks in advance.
1:05
